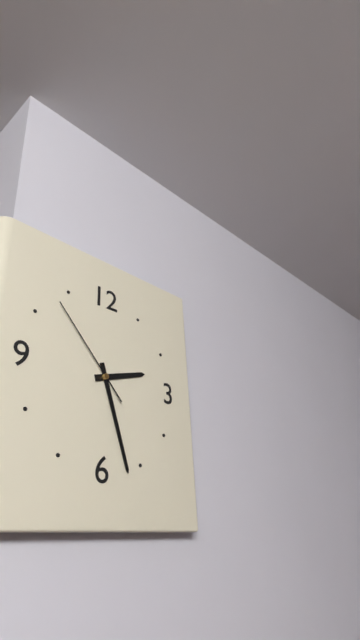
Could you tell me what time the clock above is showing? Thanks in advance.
2:27:53
